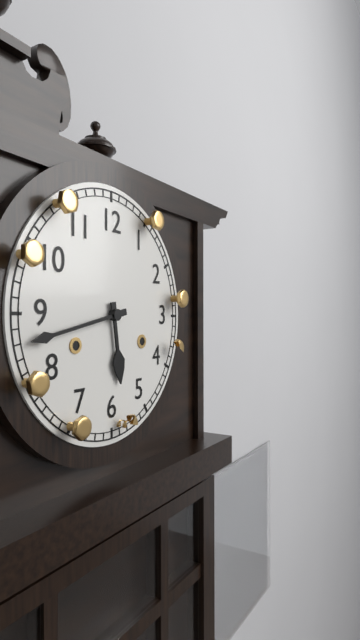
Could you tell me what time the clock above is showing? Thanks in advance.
5:43
